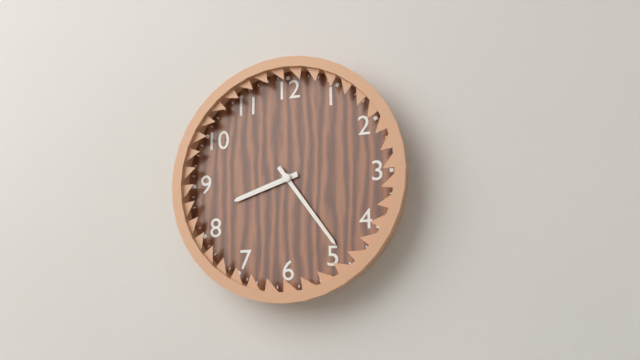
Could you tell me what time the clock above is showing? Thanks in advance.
8:24
